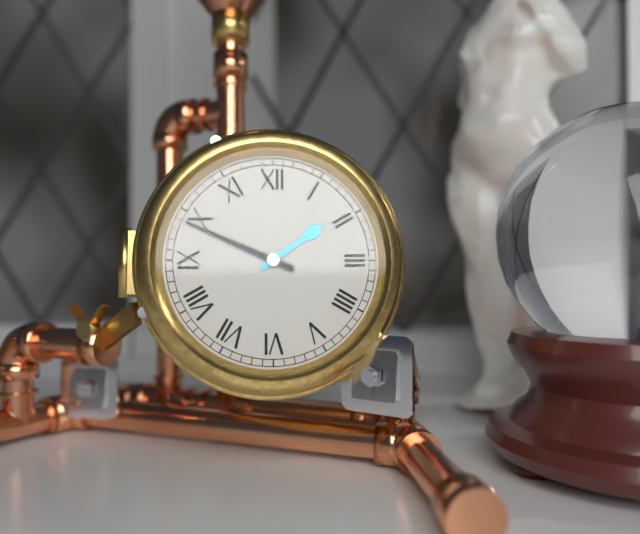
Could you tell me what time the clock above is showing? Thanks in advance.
1:49
